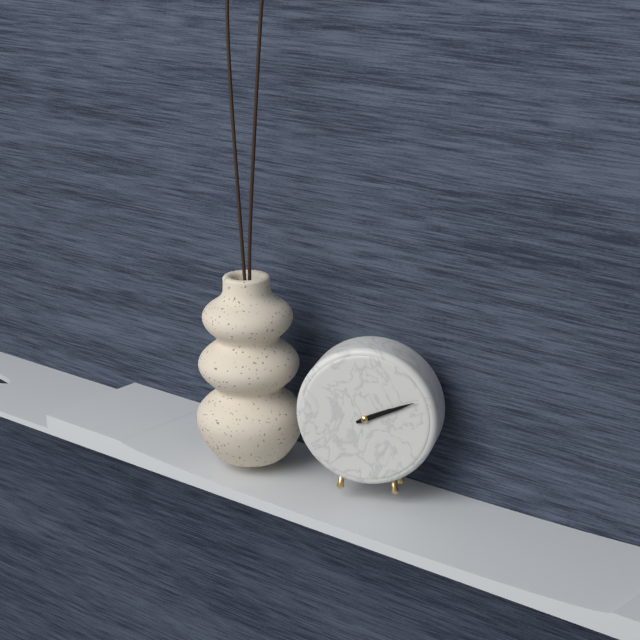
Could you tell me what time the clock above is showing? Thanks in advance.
2:11
